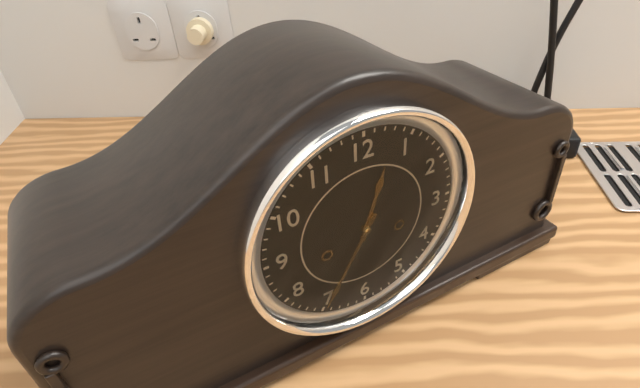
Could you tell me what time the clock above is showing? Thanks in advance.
12:35
